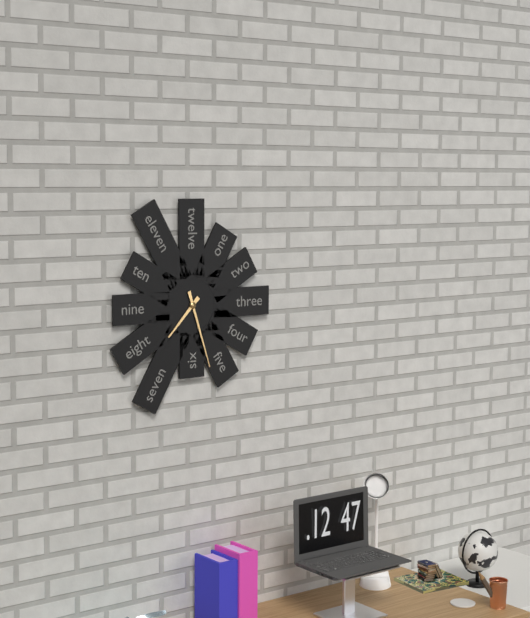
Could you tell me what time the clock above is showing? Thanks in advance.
7:27
